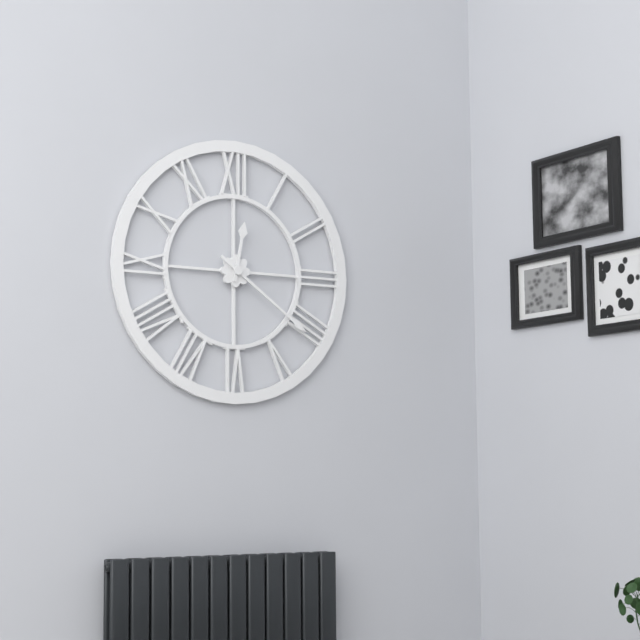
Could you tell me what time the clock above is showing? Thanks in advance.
12:21
